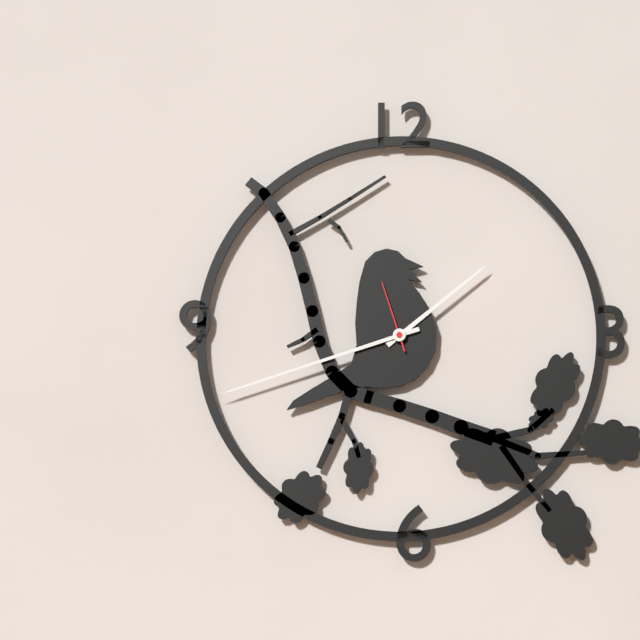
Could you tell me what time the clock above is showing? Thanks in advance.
1:42:57
